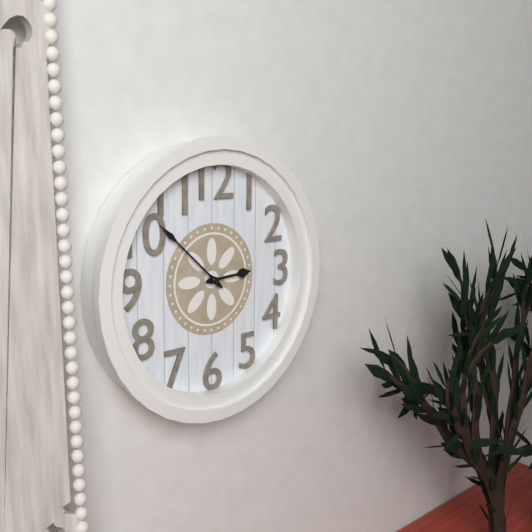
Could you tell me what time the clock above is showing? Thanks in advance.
2:52
